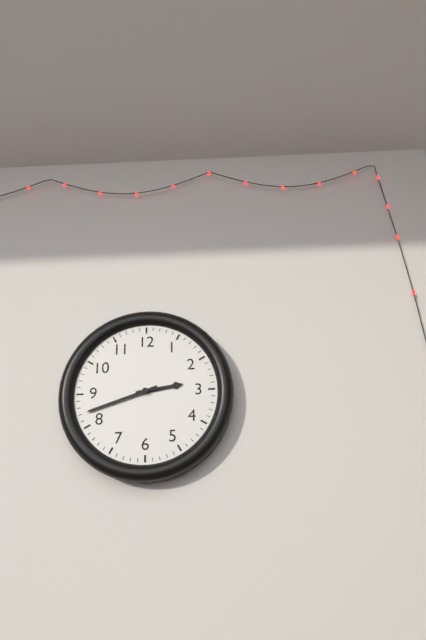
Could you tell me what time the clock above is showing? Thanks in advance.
2:42
